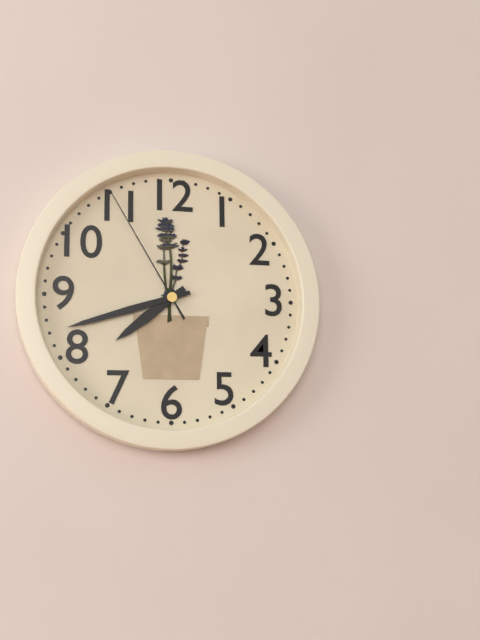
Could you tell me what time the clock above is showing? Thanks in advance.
7:42:55
